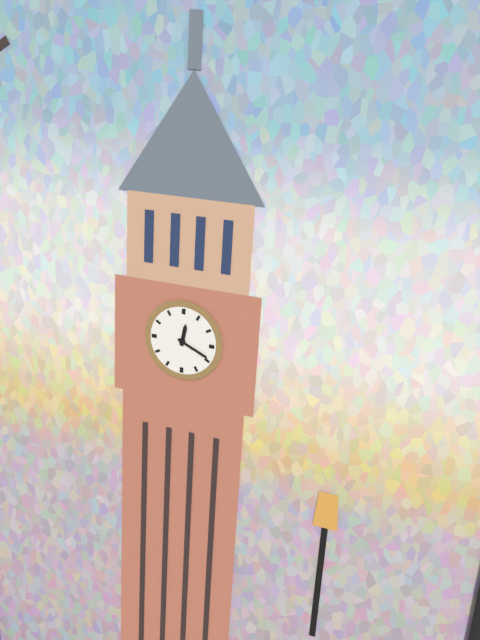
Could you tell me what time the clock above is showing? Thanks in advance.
12:19
